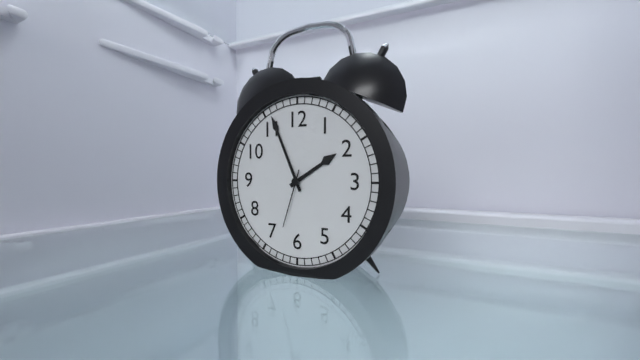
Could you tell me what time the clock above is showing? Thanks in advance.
1:56:33
